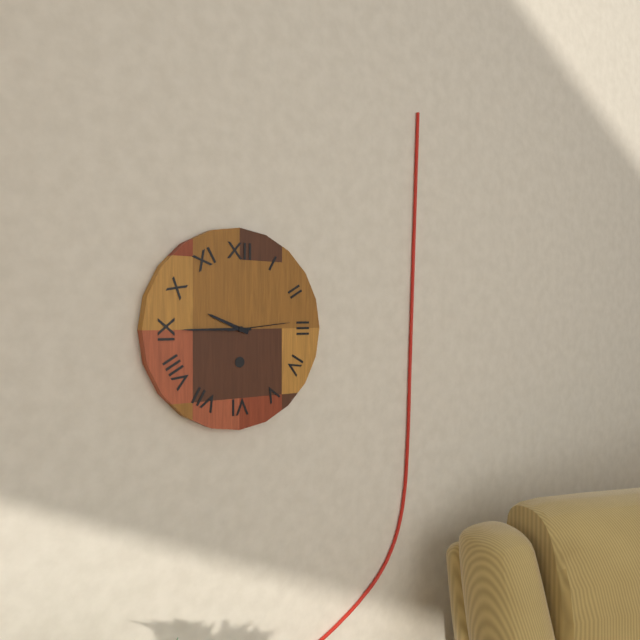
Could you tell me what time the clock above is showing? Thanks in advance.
9:45:14
